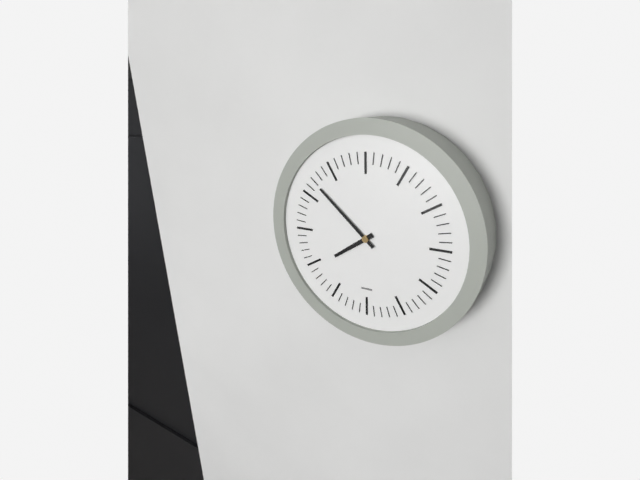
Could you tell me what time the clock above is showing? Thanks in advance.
7:52
